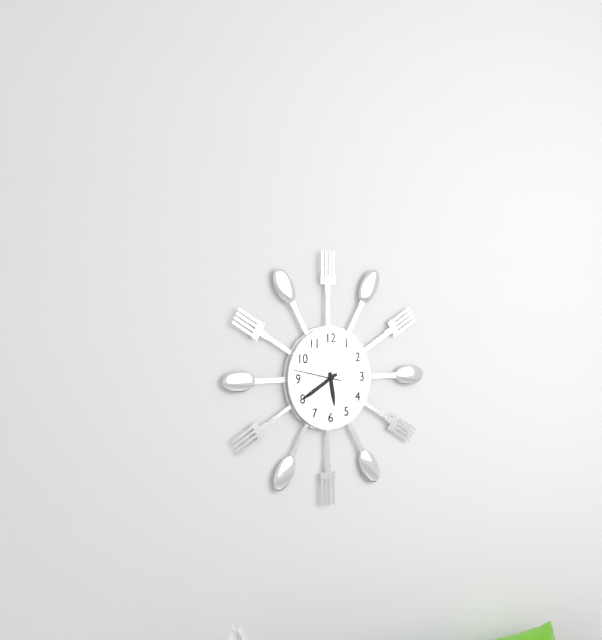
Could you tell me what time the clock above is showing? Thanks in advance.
5:40
